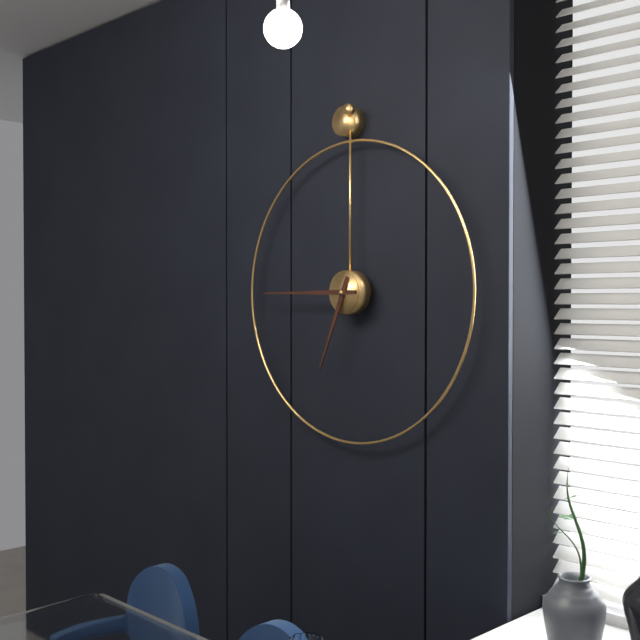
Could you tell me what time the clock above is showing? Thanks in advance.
6:45
